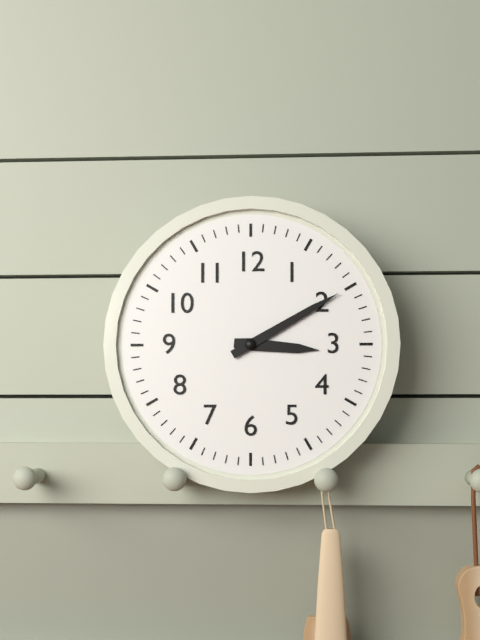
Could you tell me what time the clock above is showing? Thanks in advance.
3:10
